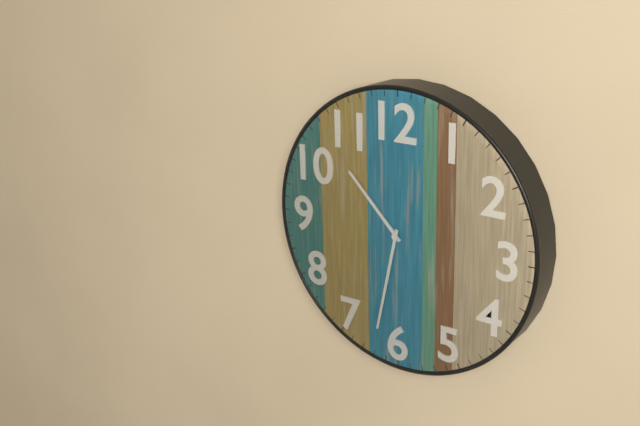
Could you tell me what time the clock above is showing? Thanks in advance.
10:32
